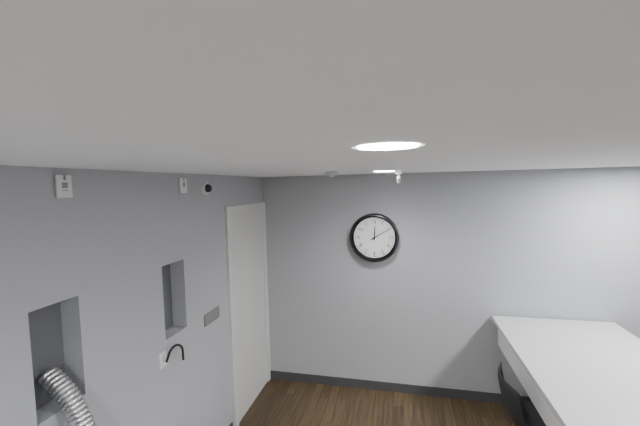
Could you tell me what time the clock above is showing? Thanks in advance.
12:10
